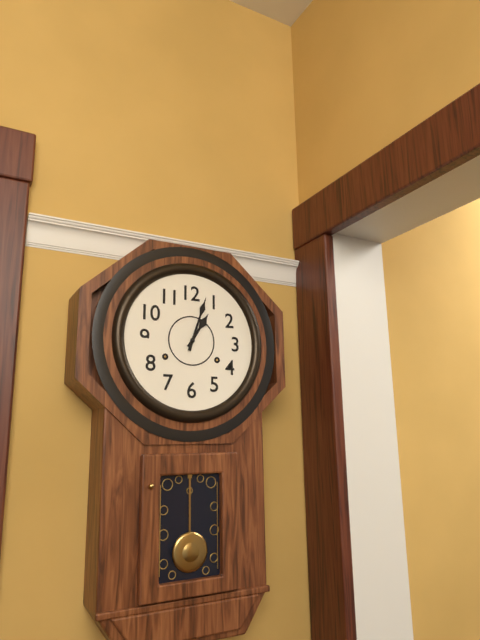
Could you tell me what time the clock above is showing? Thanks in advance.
1:03
